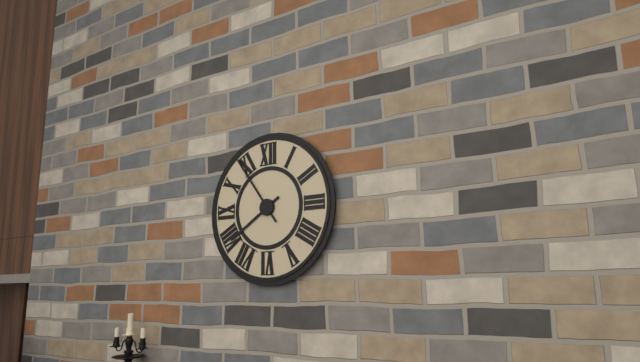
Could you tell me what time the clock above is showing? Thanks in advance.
7:54
